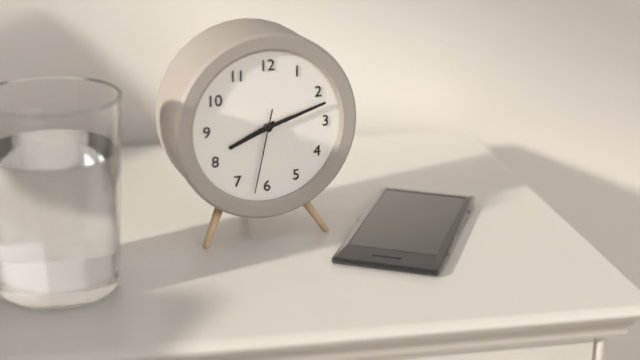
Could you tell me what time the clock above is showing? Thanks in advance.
8:12:32
